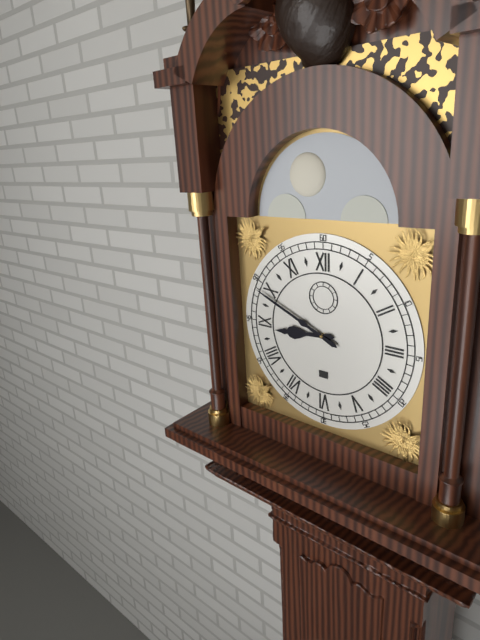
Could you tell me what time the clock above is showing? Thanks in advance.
8:49
